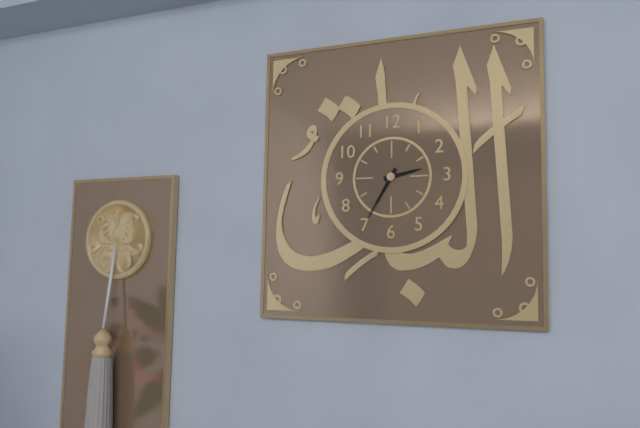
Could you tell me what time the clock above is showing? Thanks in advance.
2:35
